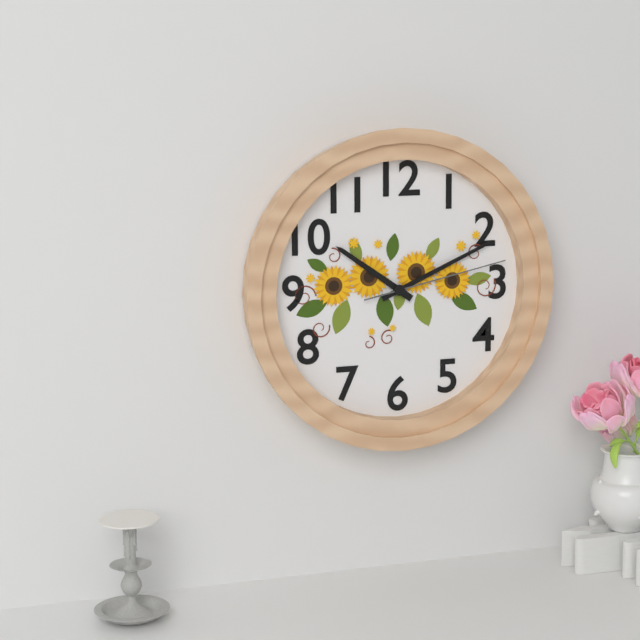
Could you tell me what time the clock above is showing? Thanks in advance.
10:11:13
